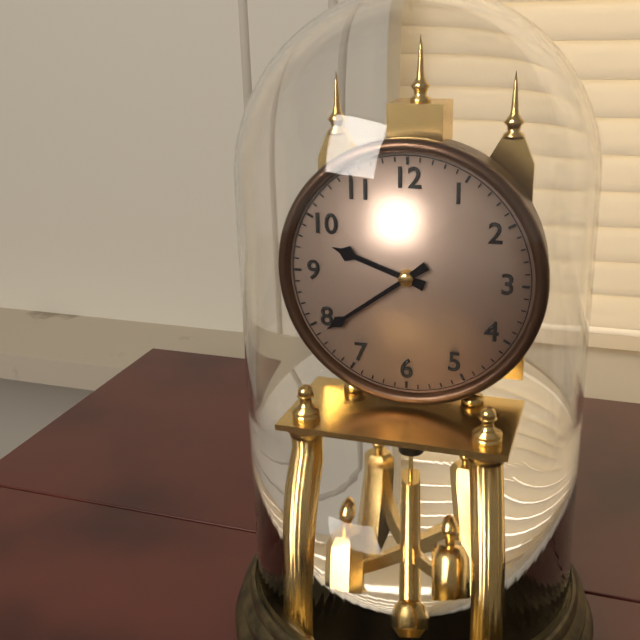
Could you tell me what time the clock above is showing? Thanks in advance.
9:39
